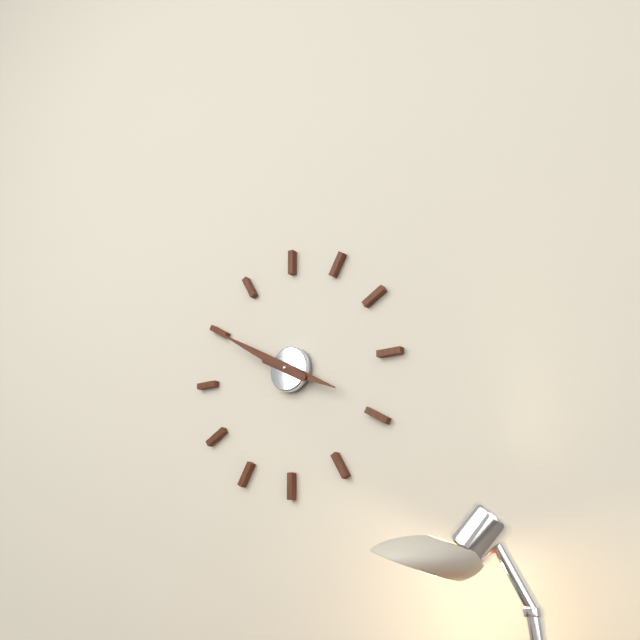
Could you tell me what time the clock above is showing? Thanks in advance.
3:50
